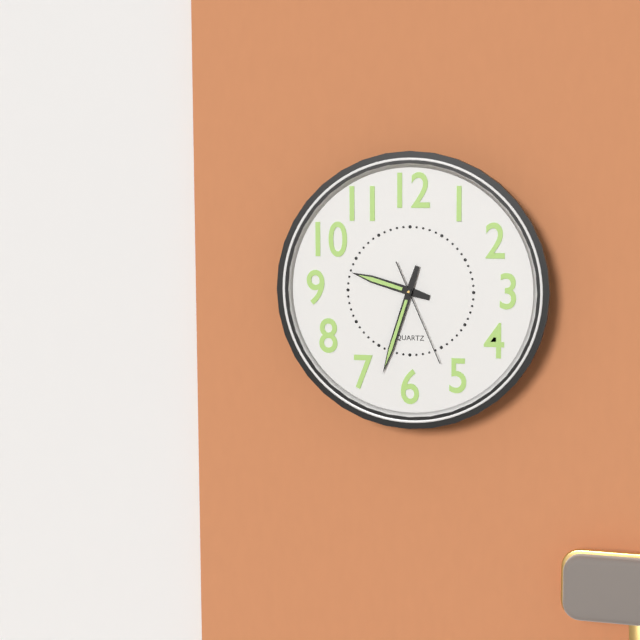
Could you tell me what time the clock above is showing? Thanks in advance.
9:33:26
